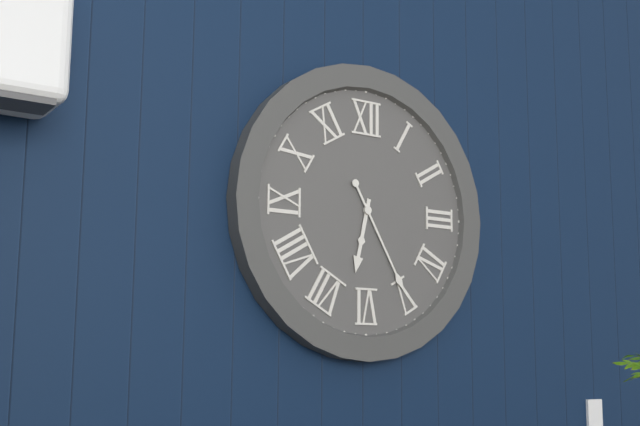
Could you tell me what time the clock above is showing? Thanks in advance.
6:25
